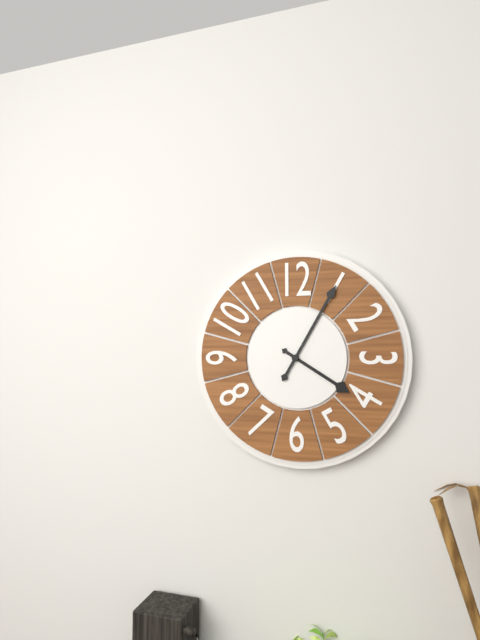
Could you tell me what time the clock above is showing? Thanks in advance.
4:05
